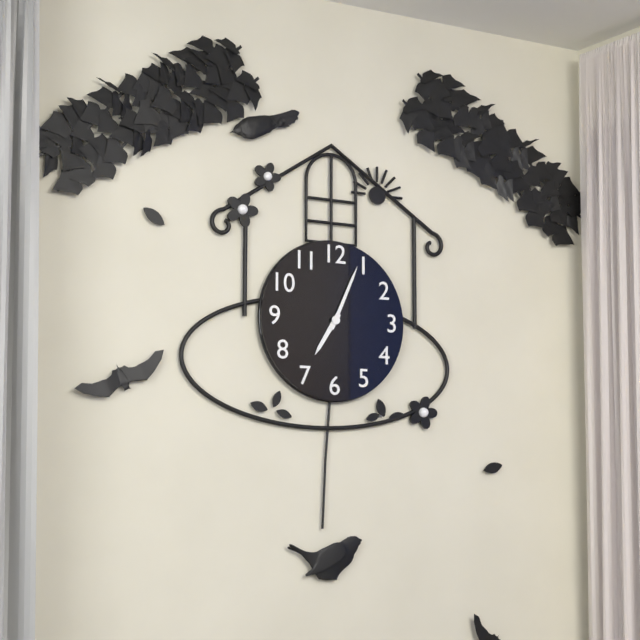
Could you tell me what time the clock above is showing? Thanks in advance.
7:04
